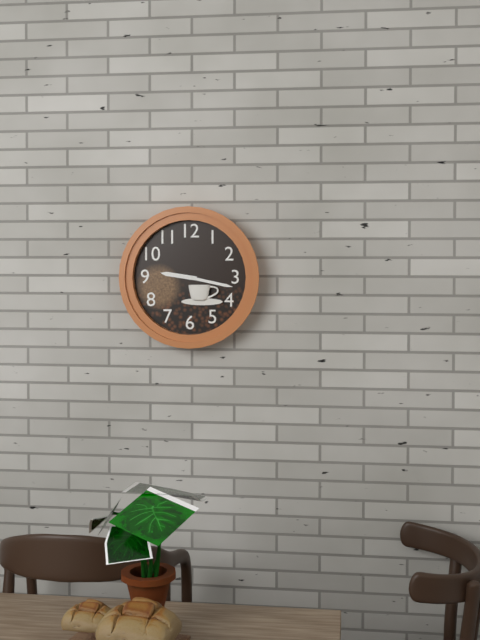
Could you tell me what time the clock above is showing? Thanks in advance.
9:17
